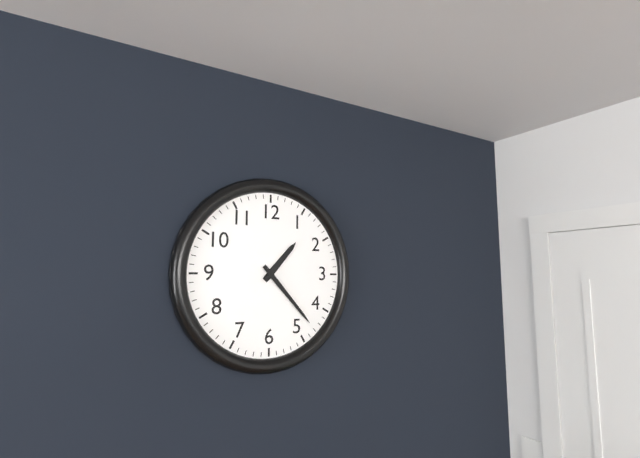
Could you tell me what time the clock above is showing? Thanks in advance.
1:23
